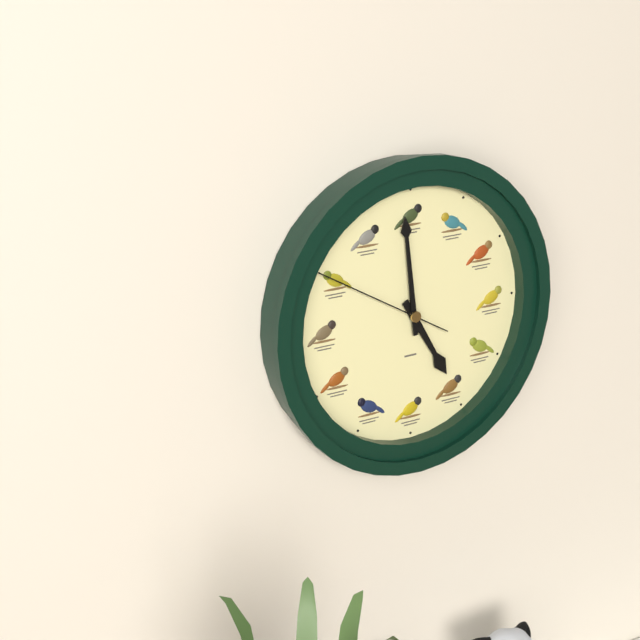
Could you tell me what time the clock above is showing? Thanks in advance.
4:59:50
